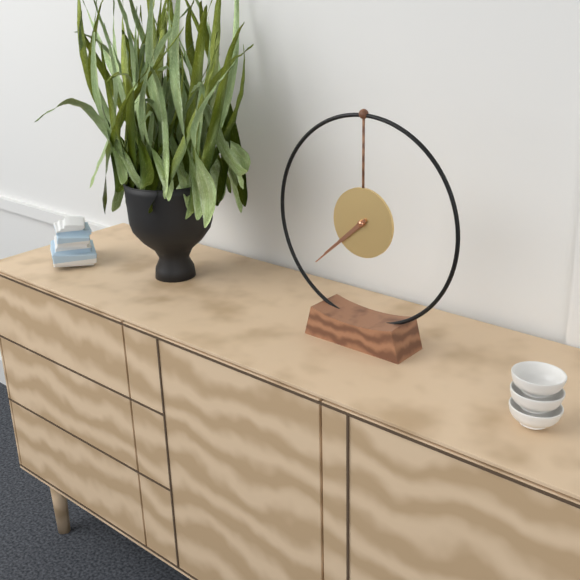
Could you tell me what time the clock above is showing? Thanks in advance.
7:38
